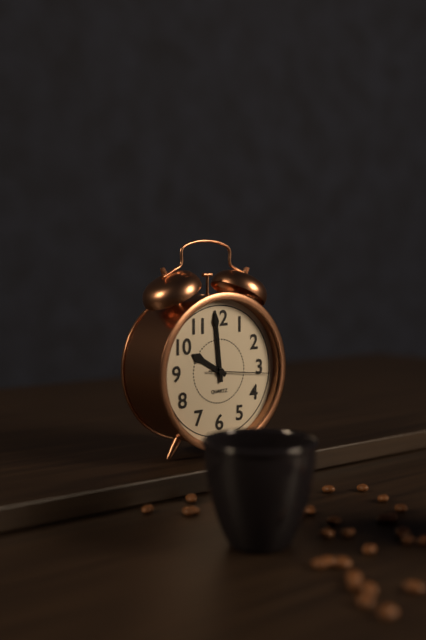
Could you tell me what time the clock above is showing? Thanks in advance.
9:59:16
